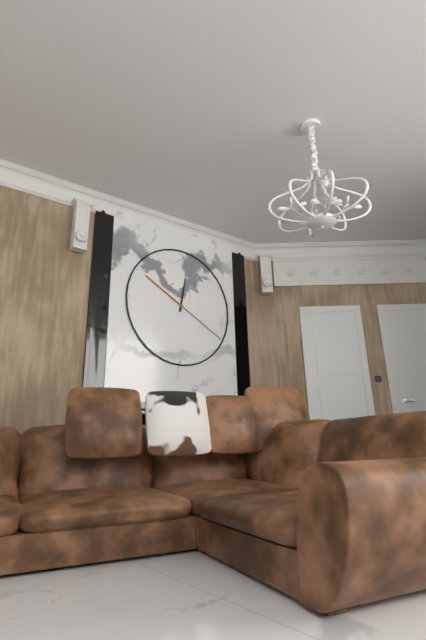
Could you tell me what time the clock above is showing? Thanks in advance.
12:20
